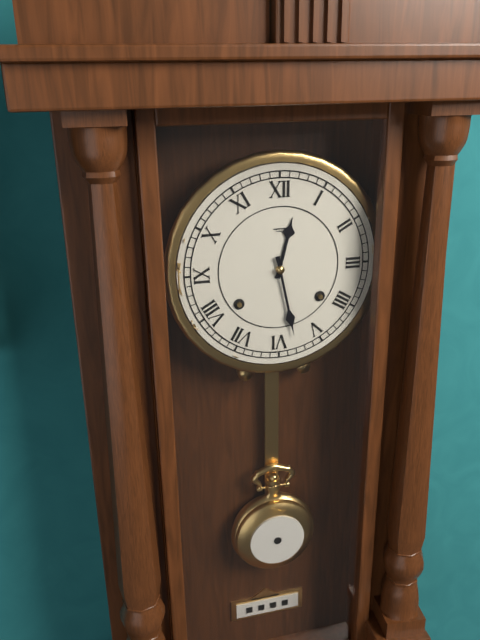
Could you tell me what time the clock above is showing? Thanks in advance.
12:28
